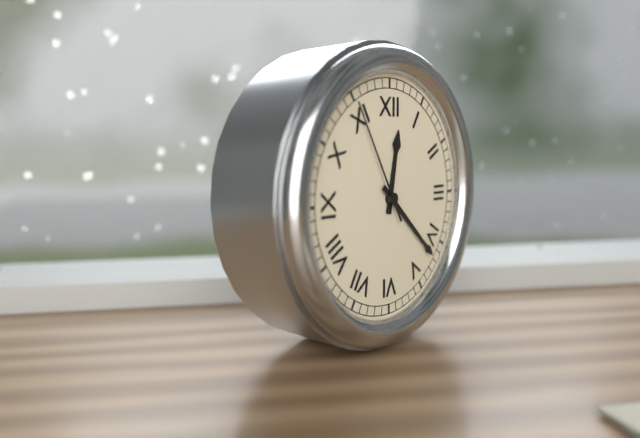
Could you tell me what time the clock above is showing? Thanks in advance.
12:22:55
